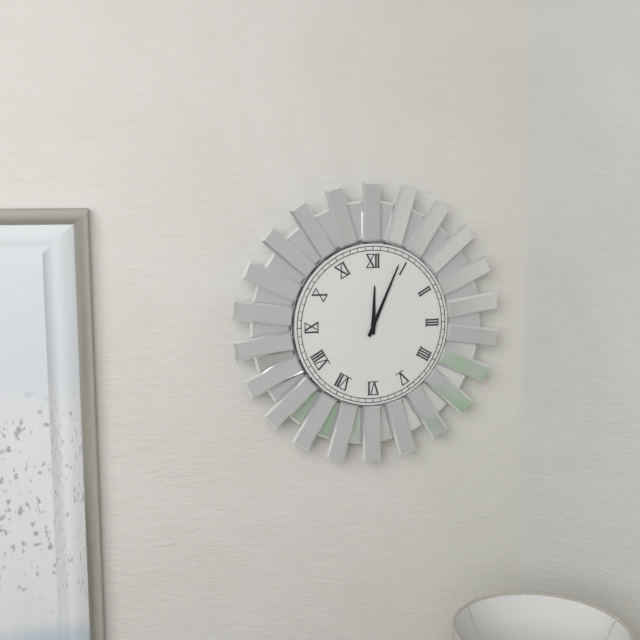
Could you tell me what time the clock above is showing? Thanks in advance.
12:04
